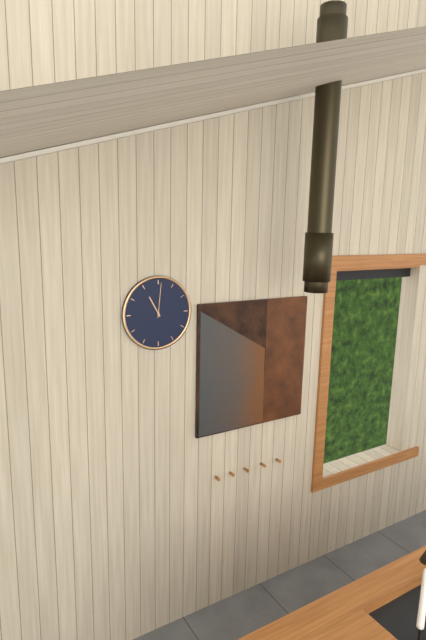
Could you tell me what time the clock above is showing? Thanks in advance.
11:01
